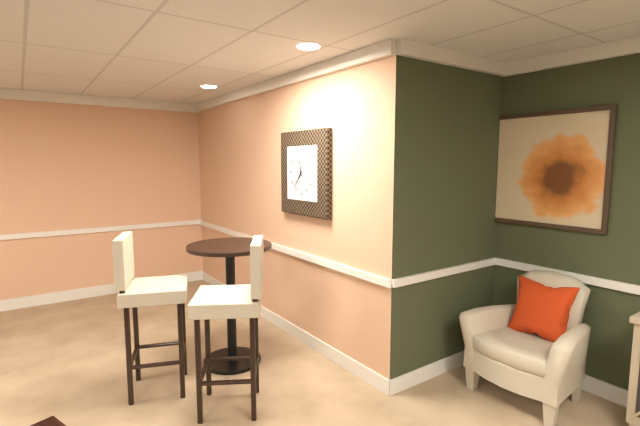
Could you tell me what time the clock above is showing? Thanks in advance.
11:37
